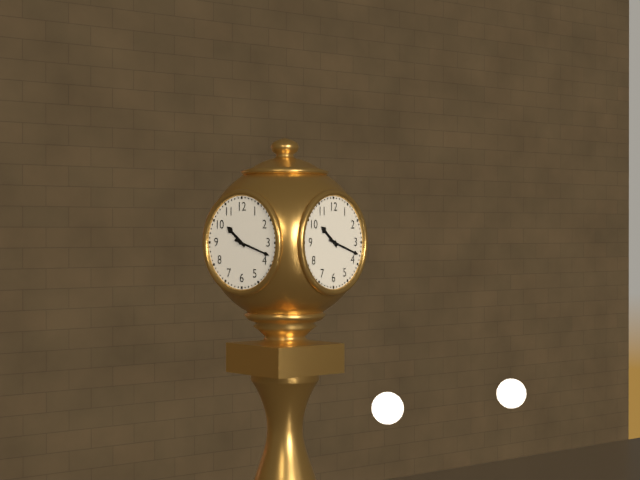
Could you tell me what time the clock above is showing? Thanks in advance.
10:18
